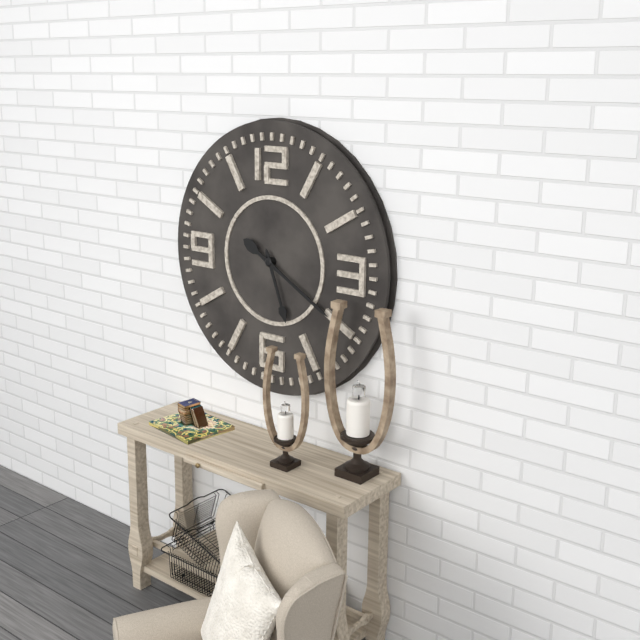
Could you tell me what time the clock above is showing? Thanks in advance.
5:20
